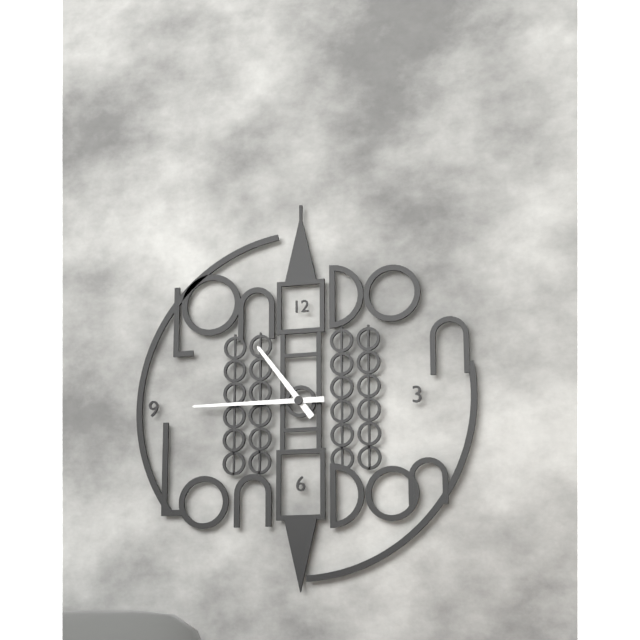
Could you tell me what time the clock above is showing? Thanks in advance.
10:45
